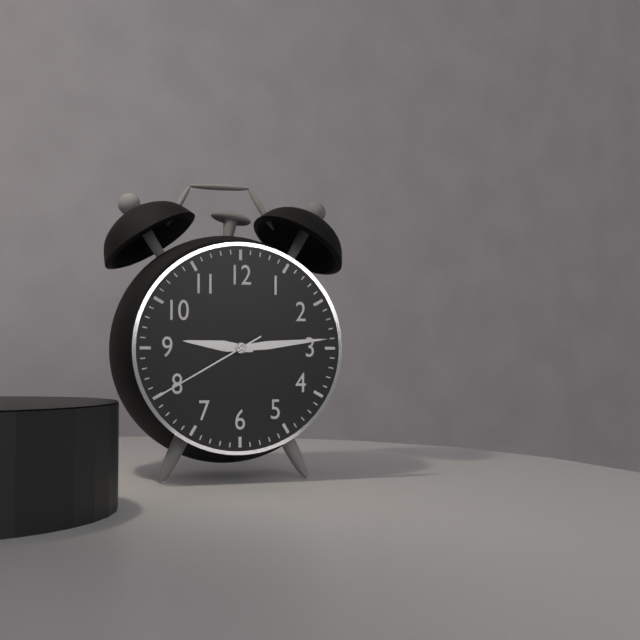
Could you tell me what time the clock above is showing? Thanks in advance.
9:14:40
